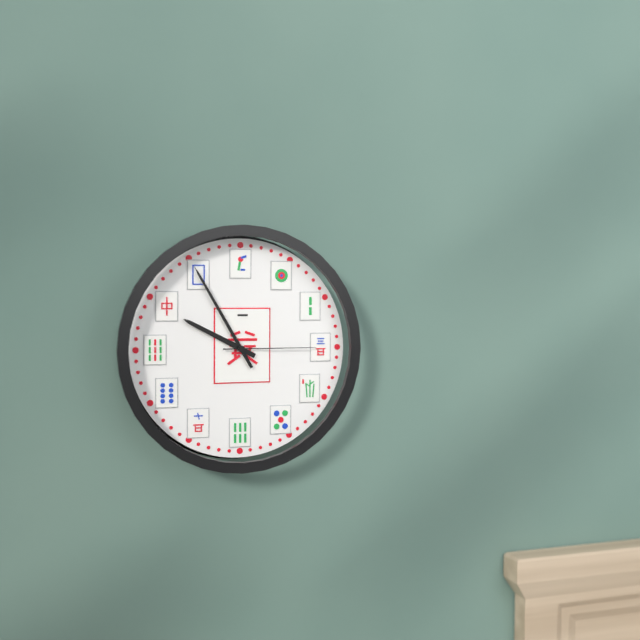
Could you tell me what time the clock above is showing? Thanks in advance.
9:55:15
